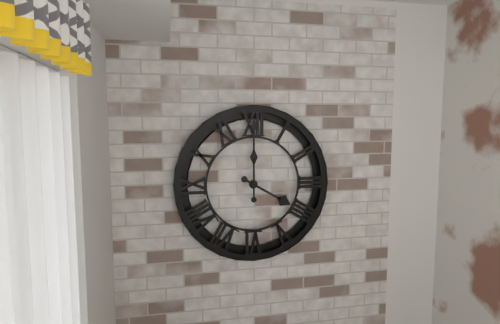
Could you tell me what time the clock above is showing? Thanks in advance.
4:00
